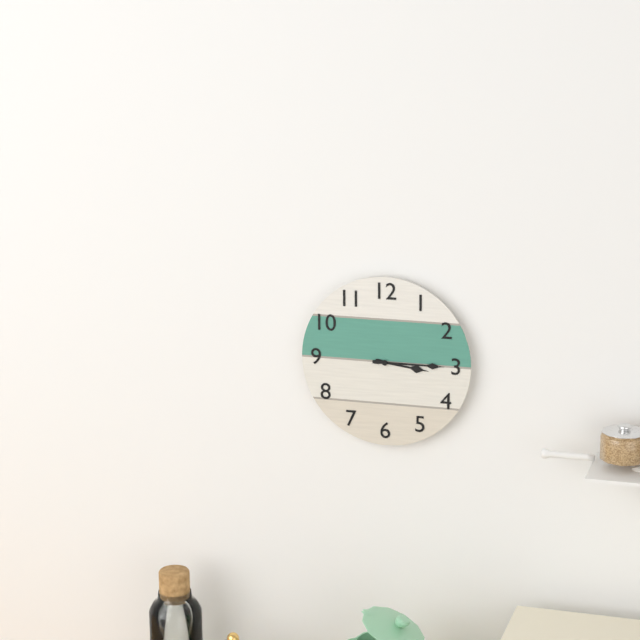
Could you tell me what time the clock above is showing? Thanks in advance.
3:15
